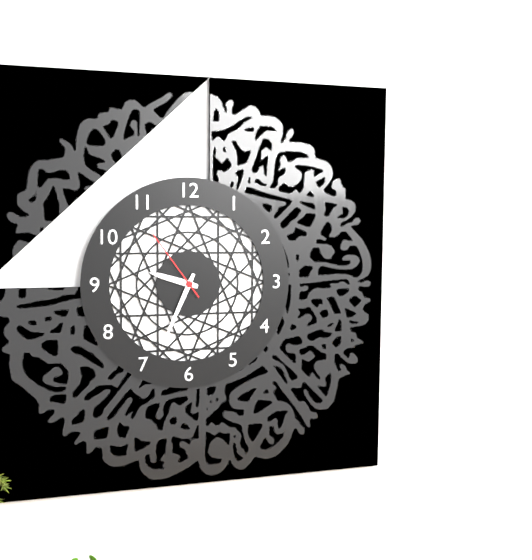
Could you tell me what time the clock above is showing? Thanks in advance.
9:34:54
